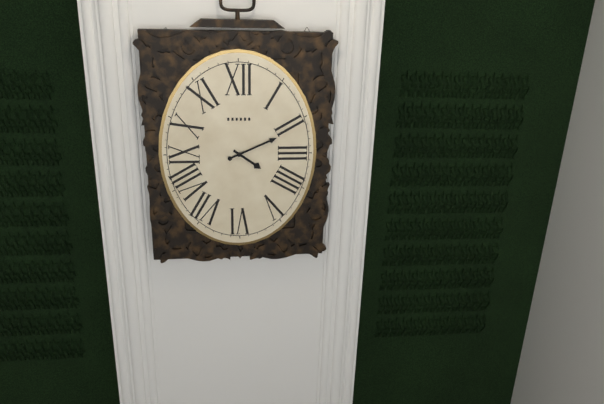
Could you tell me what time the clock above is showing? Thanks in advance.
4:11
